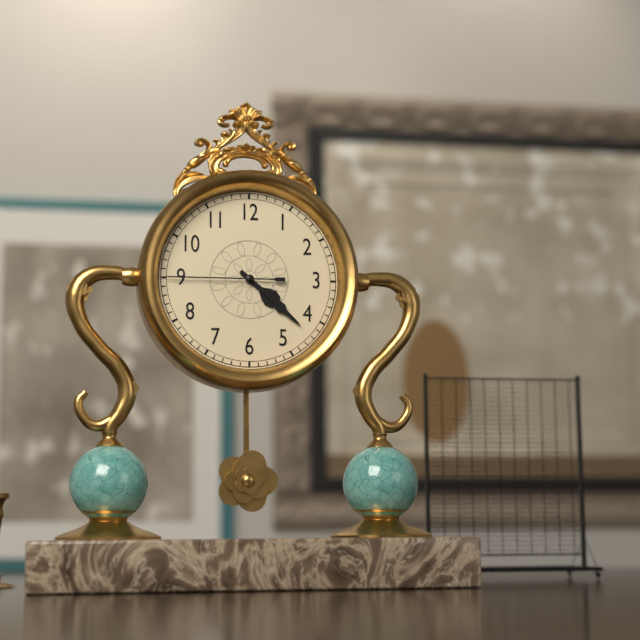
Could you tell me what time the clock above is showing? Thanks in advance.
4:22:45
